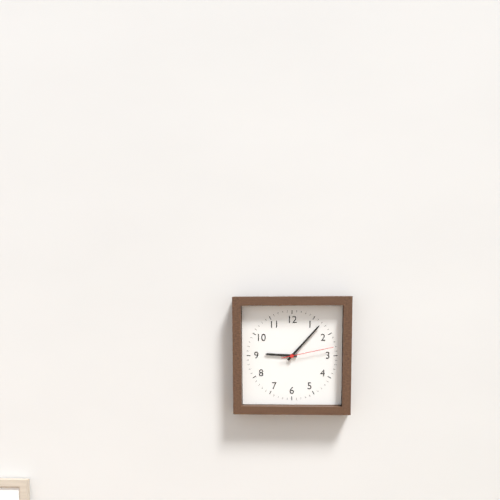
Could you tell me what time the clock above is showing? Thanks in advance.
9:07:13
